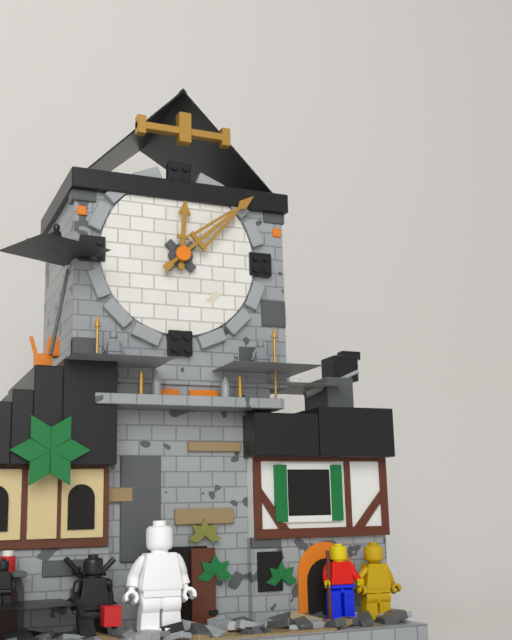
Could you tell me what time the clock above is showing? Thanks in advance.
12:08
